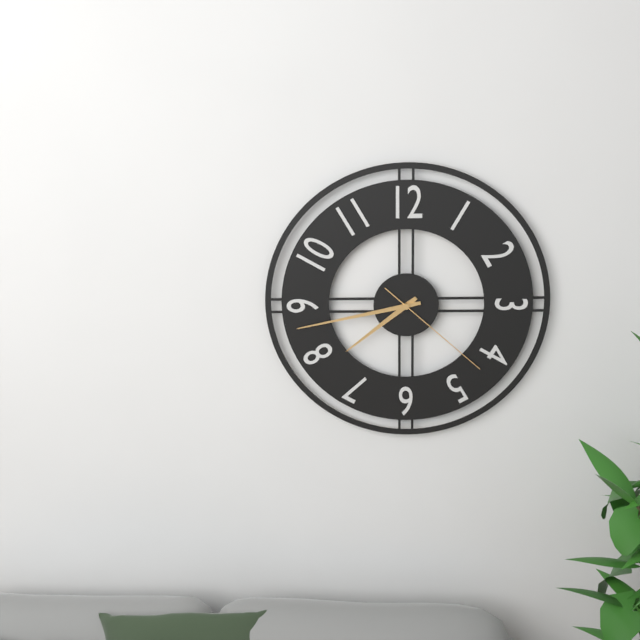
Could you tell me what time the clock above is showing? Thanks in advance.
7:43:22
